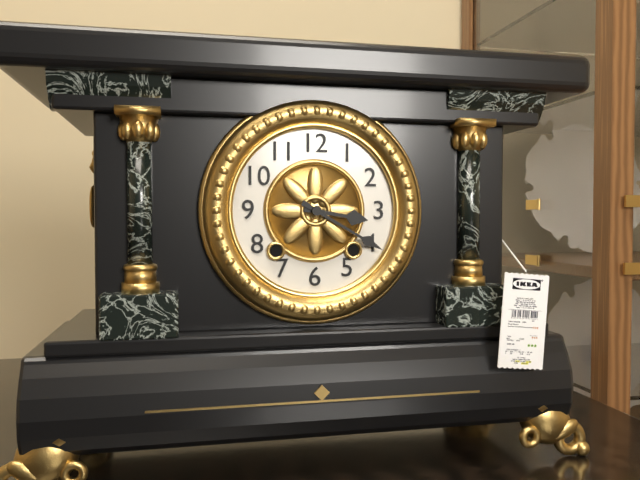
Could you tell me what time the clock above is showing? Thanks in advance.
3:20
